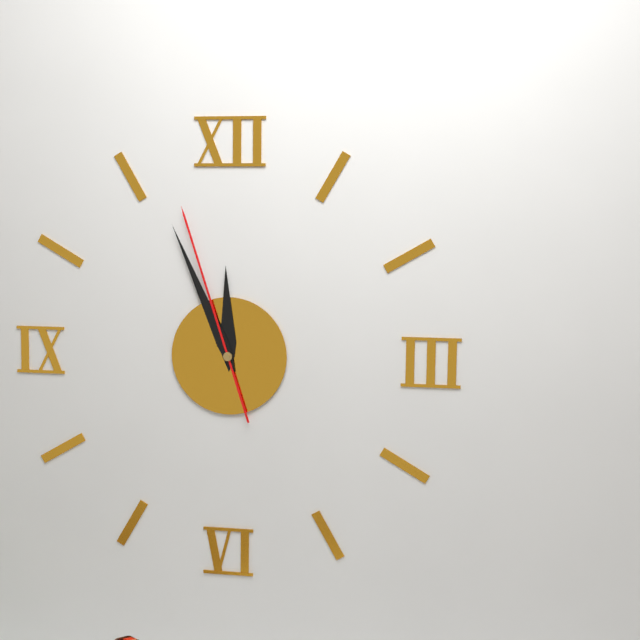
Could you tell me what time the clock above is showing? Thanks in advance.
11:56:57
